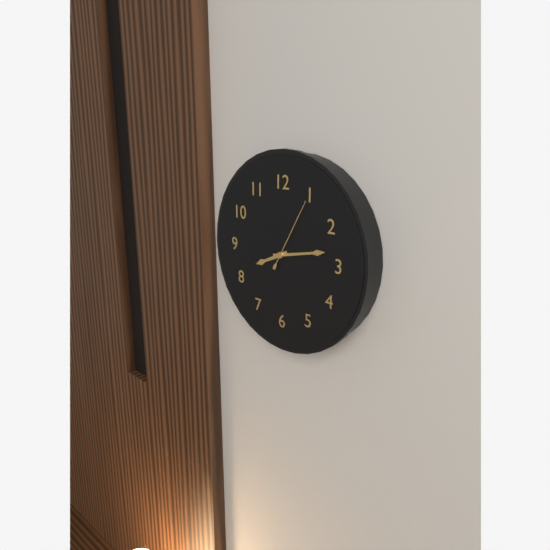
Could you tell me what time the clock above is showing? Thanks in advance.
8:13:05
